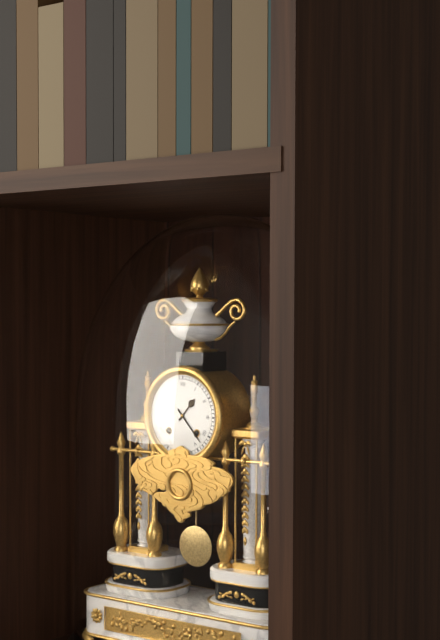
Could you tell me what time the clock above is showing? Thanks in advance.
1:23
